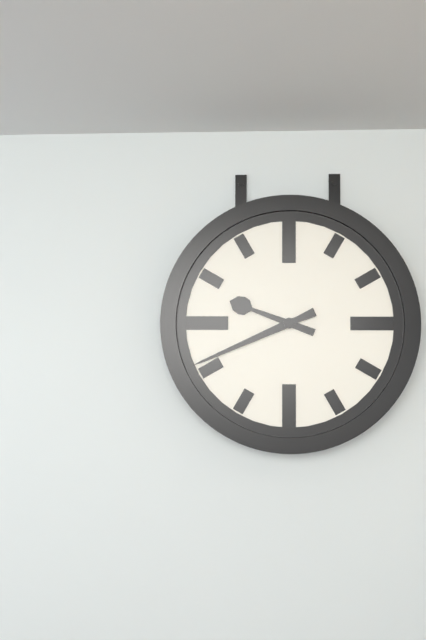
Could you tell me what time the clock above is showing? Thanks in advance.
9:41
